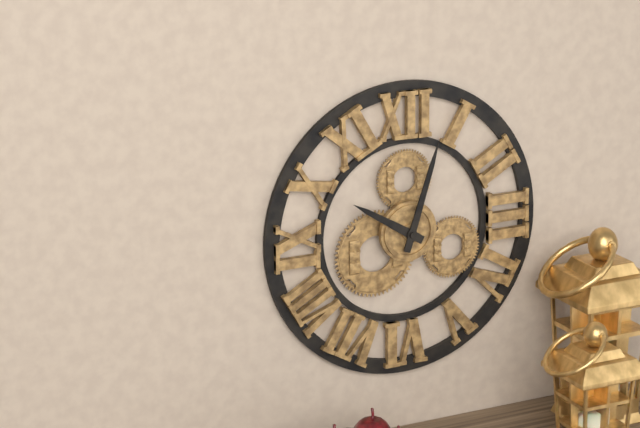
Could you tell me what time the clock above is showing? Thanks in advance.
10:03
